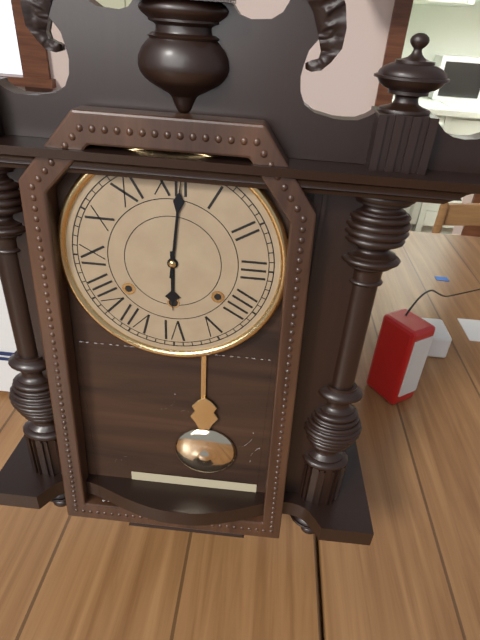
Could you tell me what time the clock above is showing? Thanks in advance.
6:01
